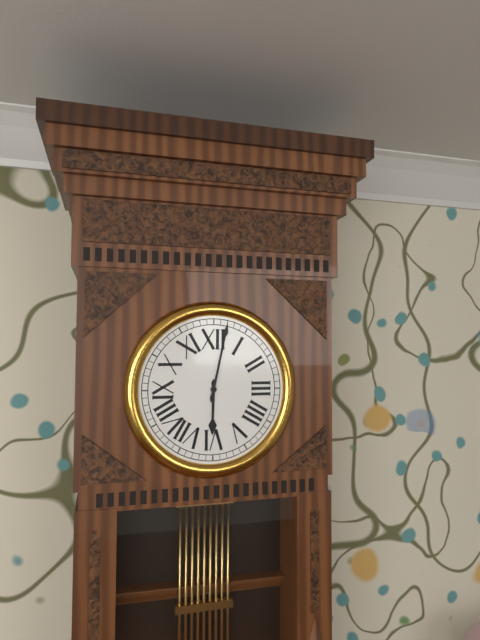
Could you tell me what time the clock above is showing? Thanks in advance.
6:02
